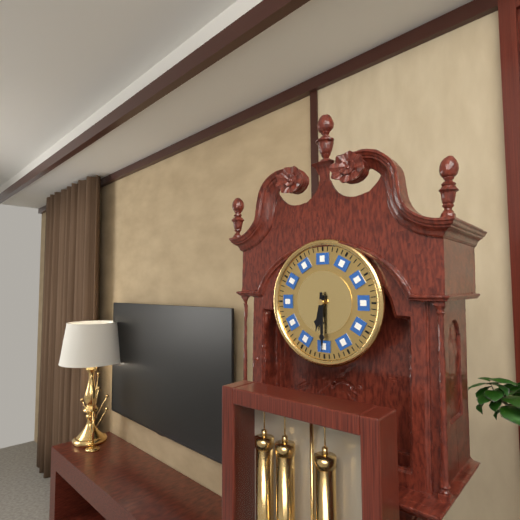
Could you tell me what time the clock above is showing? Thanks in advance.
6:30
